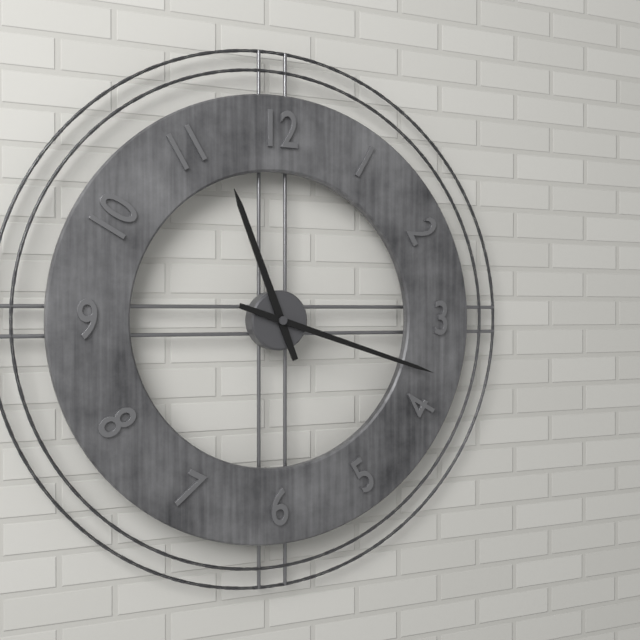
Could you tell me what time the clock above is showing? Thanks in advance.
11:18
